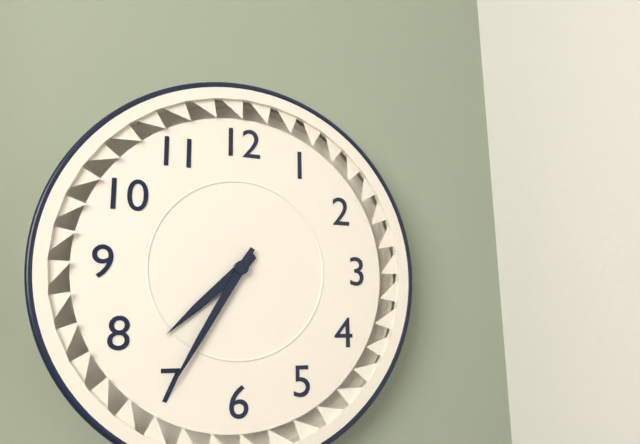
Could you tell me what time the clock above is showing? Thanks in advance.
7:35
